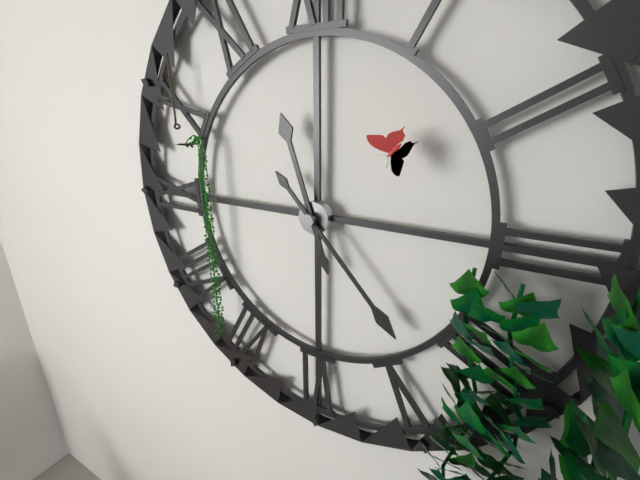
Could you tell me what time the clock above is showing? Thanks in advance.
11:23
